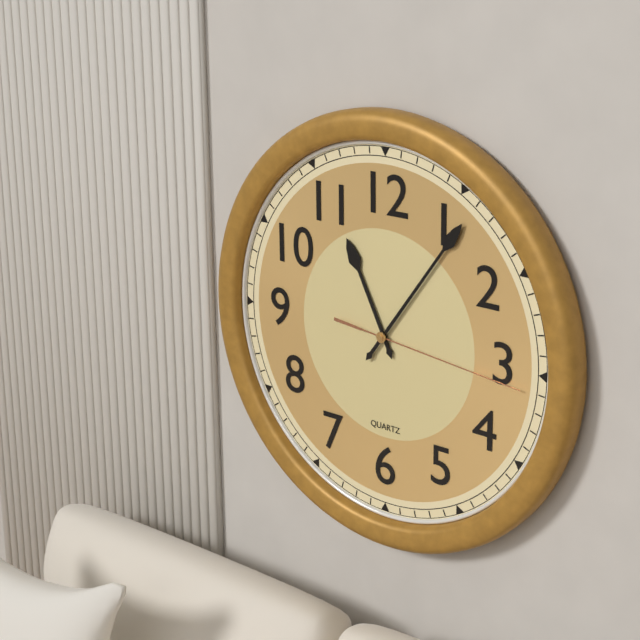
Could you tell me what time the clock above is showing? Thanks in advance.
11:06:16
